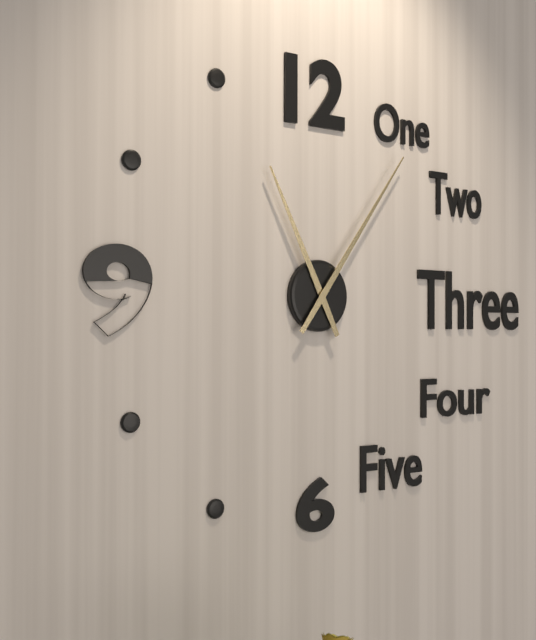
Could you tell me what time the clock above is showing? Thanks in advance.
11:06
